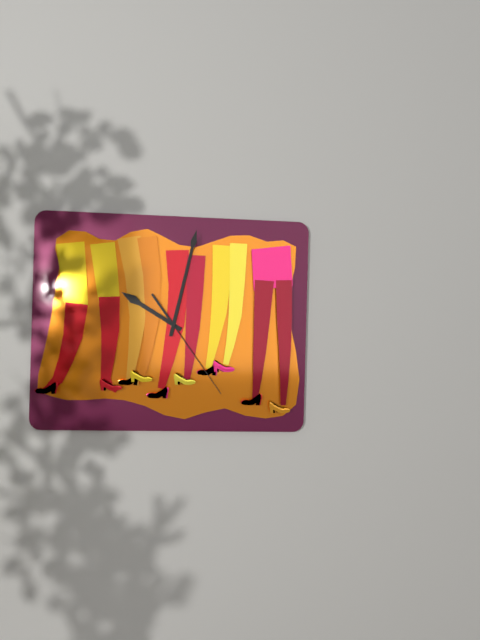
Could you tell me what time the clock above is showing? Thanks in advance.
10:02:24
